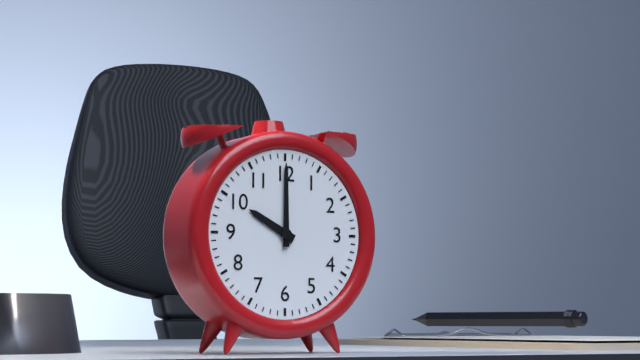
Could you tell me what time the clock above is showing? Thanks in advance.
10:00
